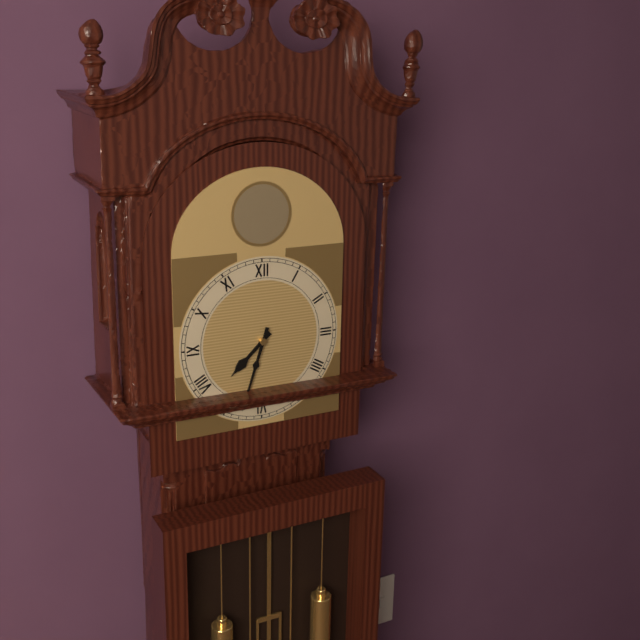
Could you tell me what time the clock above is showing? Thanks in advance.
7:33
